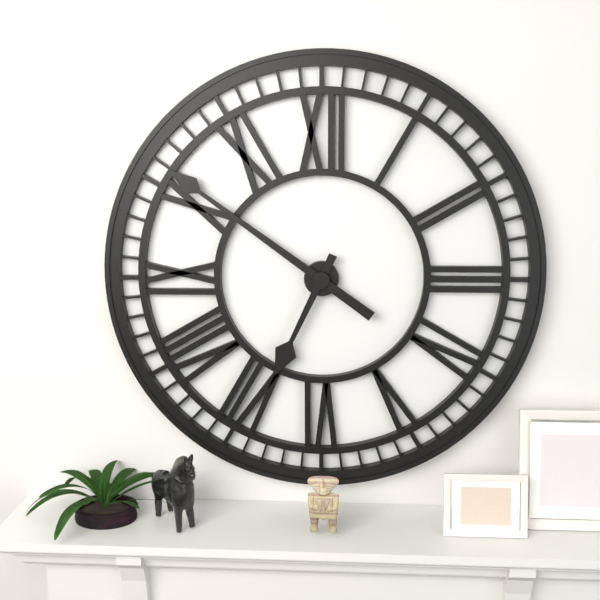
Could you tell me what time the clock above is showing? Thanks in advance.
6:51
